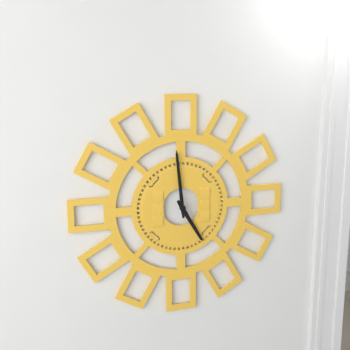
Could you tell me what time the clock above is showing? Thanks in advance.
4:59
